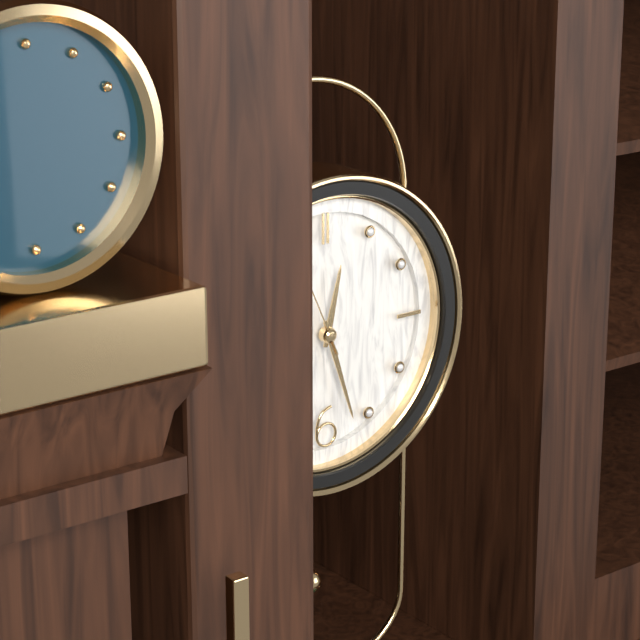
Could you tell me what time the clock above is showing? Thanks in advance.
12:27
